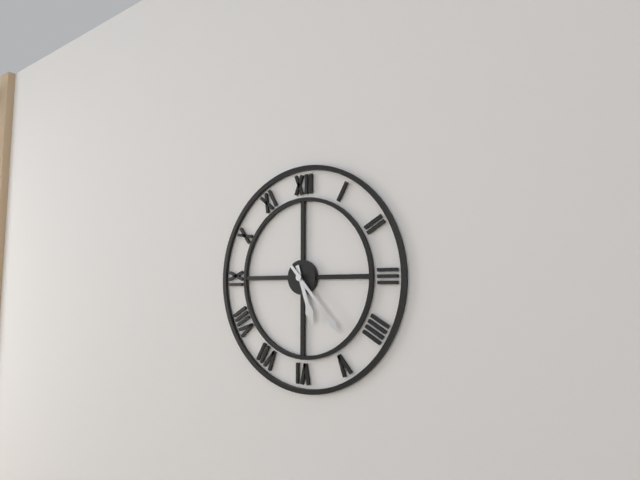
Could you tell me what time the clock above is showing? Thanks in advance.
5:23
